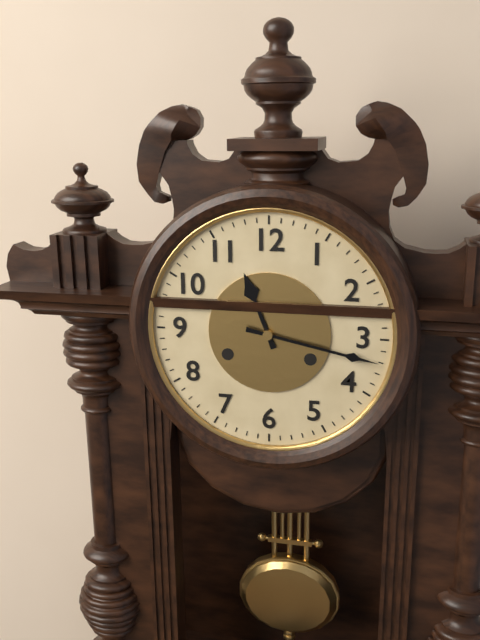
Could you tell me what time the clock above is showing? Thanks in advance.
11:17
